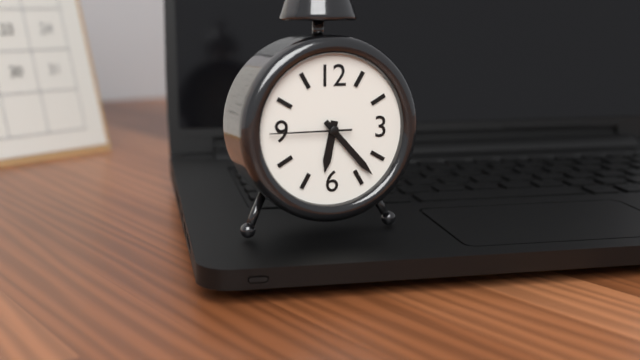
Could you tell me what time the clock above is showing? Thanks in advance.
6:23:45
